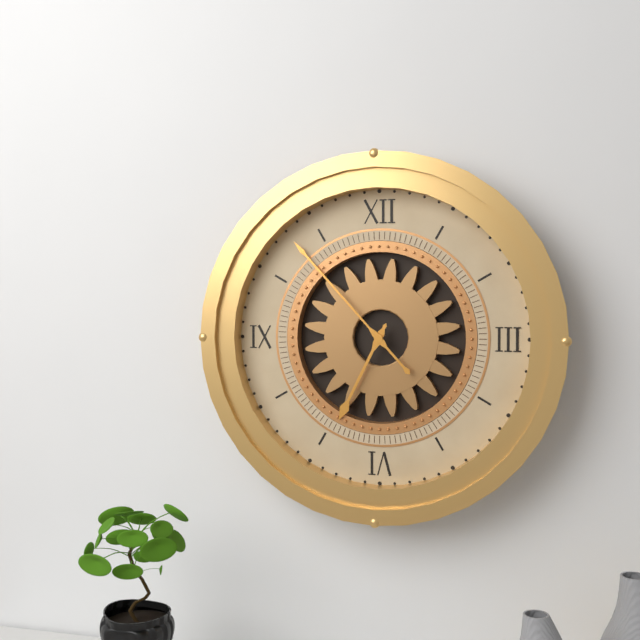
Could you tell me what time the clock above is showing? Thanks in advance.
6:53
